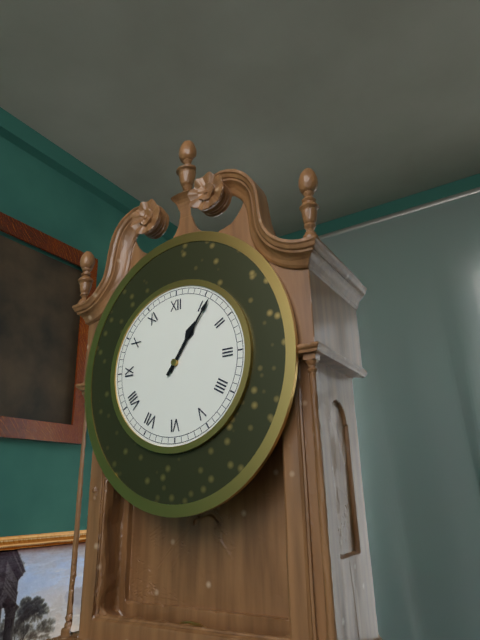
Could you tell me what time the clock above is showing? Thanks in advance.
1:06
